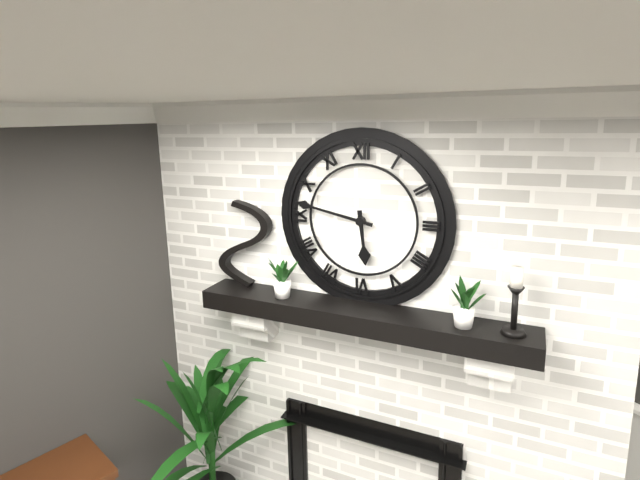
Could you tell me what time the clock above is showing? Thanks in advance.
5:47
